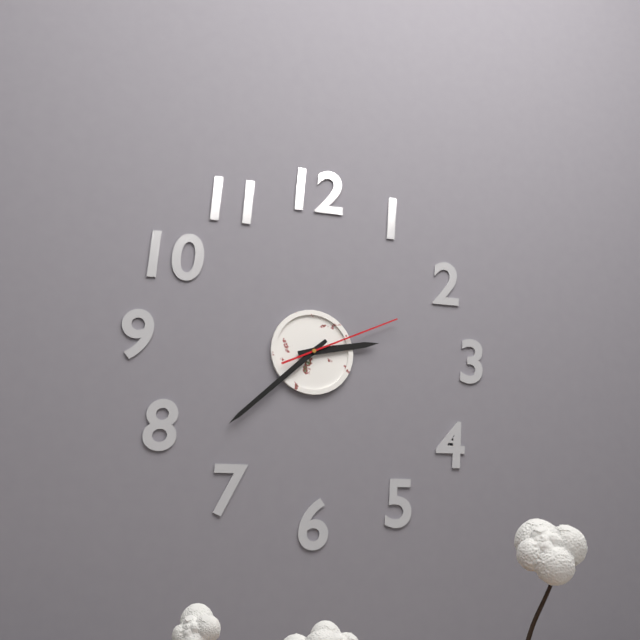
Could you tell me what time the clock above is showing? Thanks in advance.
2:38:11
